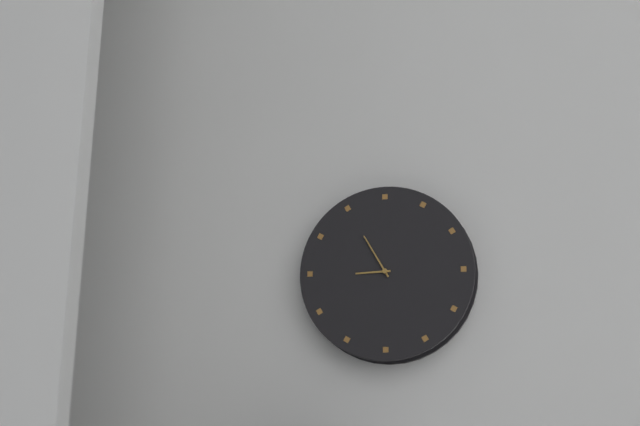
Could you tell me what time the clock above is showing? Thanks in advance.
8:55
